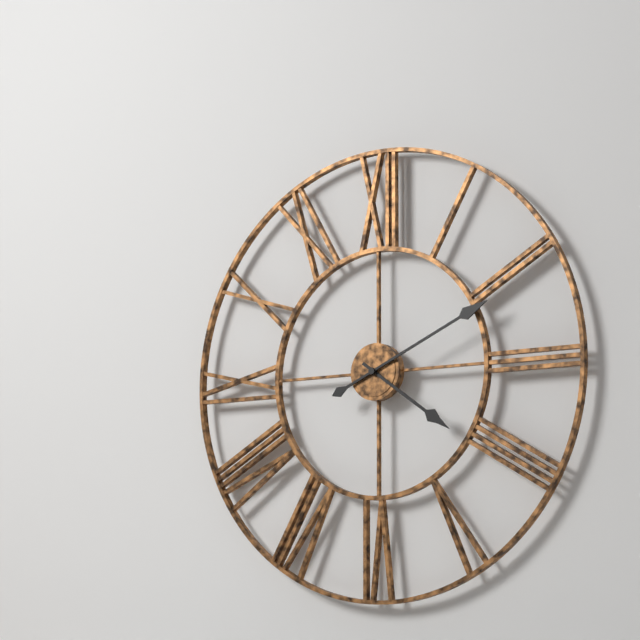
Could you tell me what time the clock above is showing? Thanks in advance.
4:11
